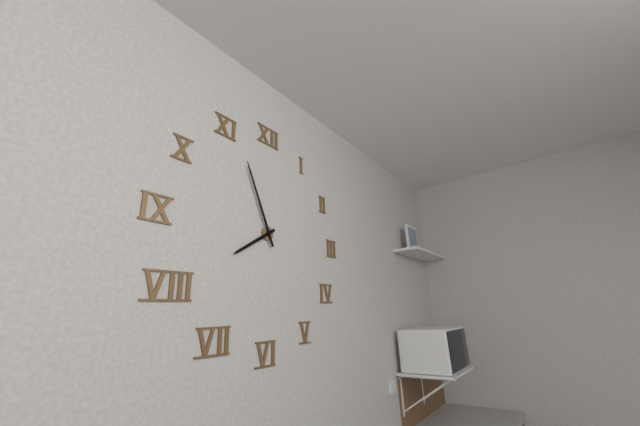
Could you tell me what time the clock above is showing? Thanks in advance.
7:56
